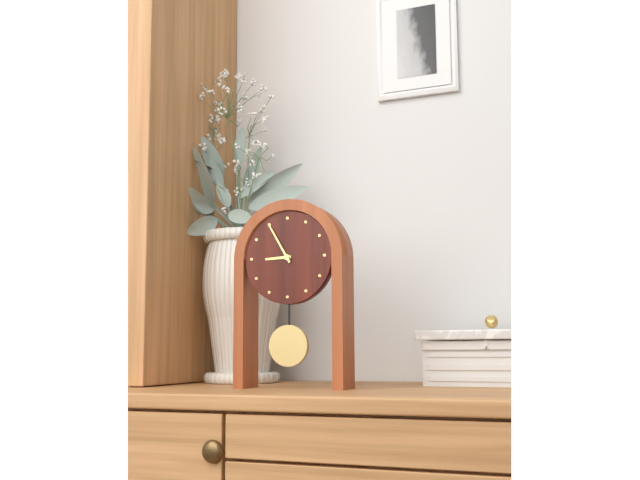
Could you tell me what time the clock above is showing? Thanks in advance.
8:55
